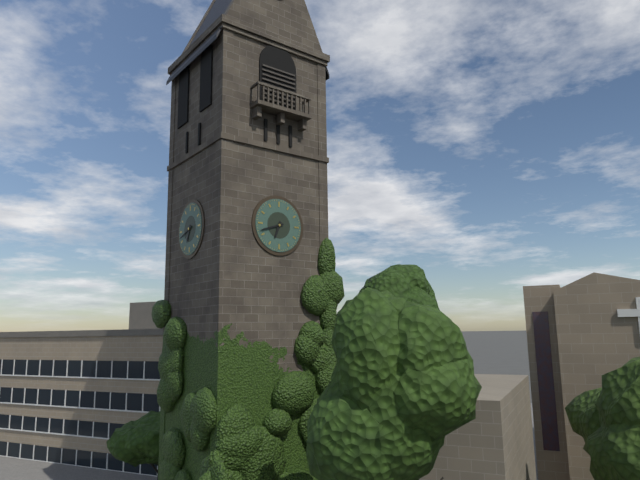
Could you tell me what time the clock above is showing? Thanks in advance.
6:42
